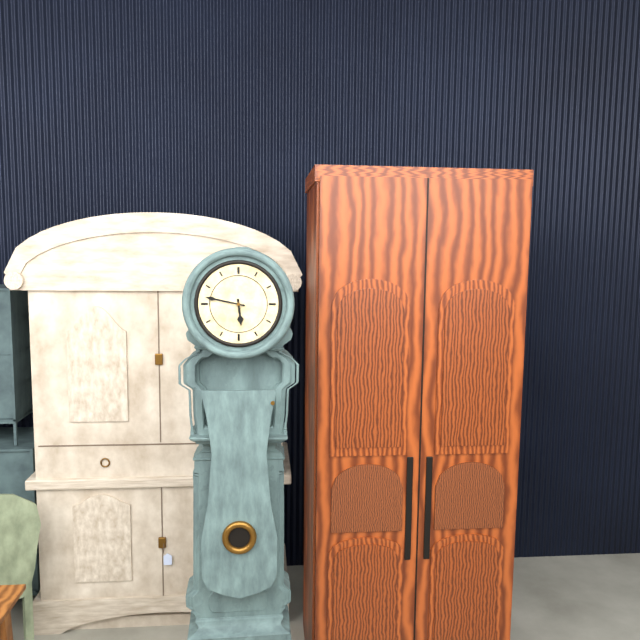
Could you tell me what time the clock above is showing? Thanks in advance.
5:47
